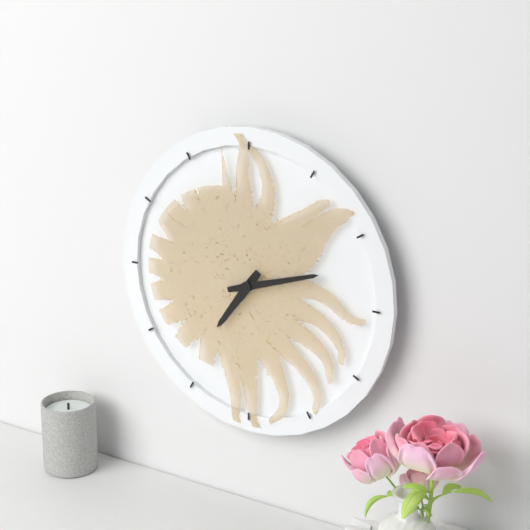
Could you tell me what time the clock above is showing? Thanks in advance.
7:12
